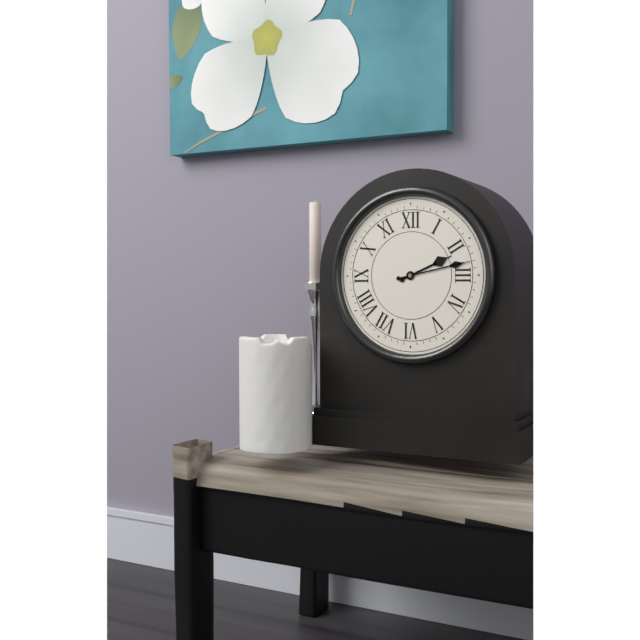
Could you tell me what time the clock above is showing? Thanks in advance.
2:13
